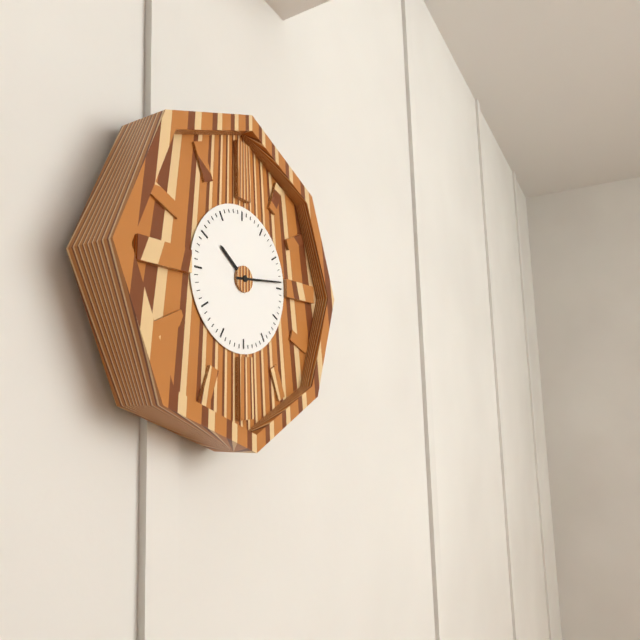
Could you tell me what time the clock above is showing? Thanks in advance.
10:14
